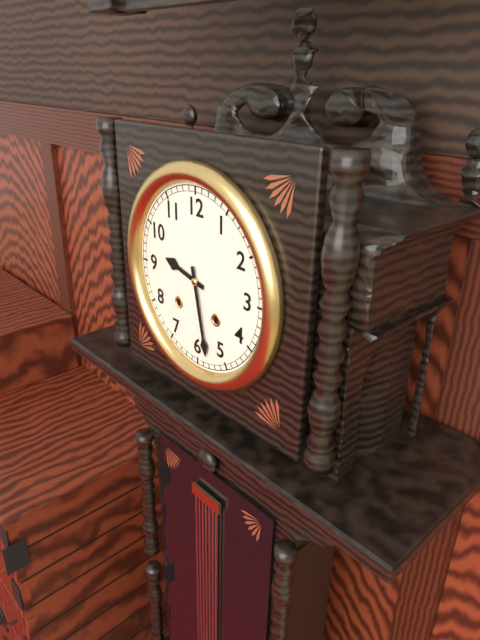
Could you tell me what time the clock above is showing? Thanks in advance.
9:28
